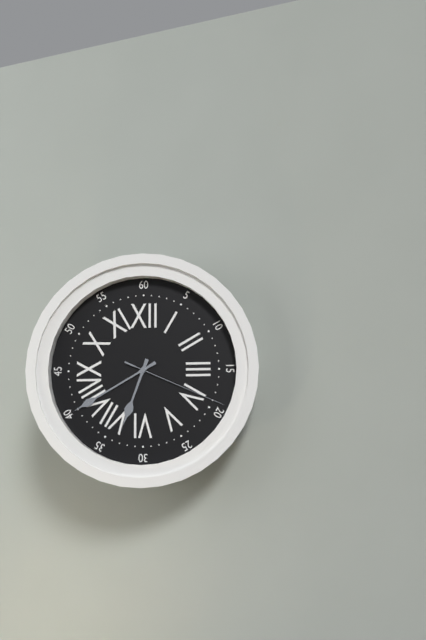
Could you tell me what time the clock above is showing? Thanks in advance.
6:40:19
